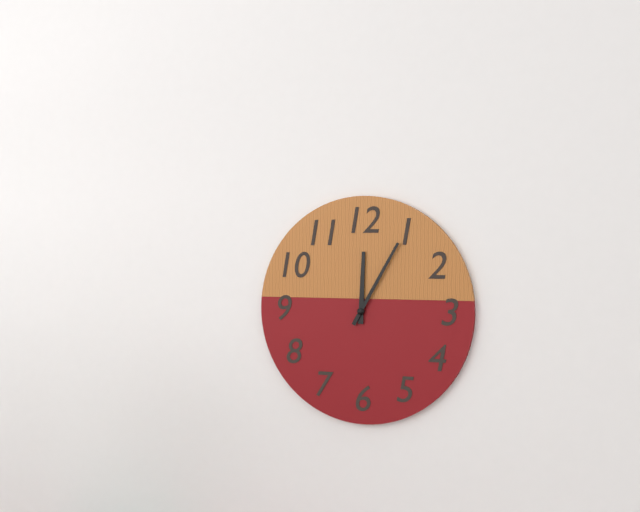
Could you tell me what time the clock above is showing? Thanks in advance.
12:05
